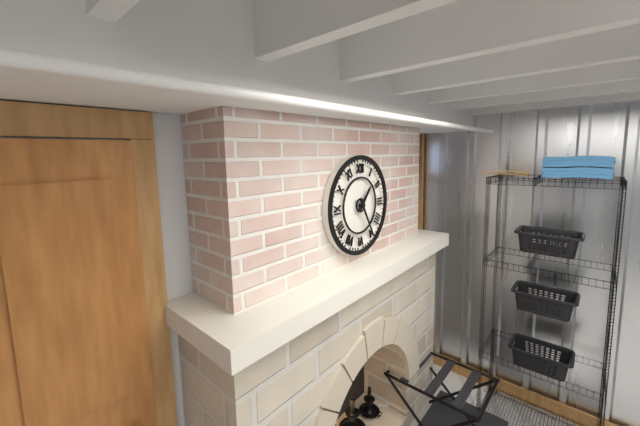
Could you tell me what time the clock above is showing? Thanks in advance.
1:25
